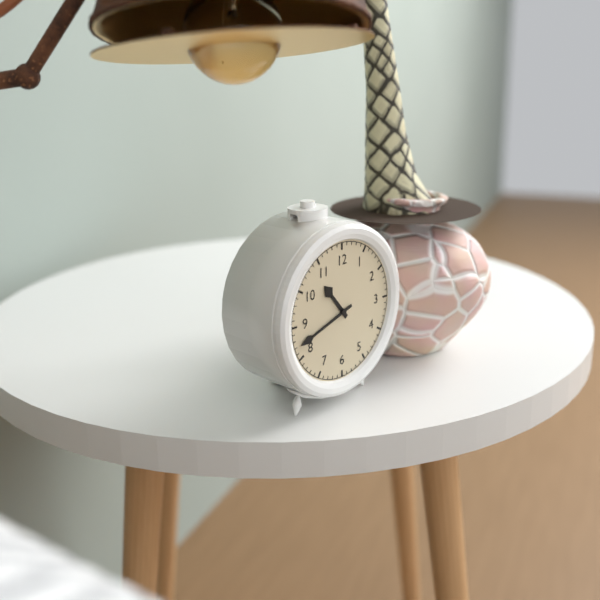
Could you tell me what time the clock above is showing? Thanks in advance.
10:42
